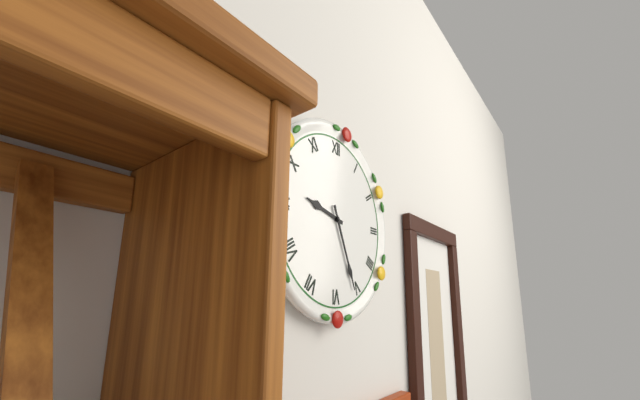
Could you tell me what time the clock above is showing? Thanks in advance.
9:26
